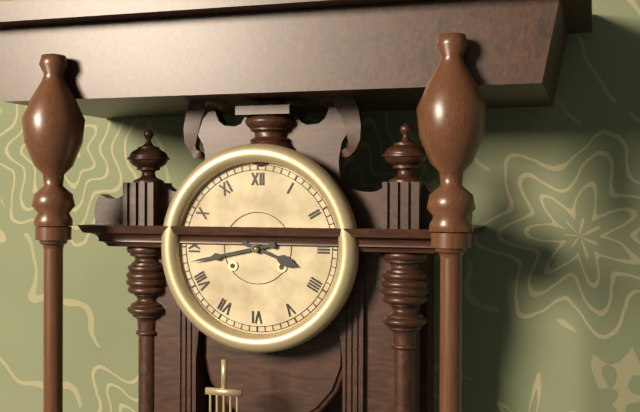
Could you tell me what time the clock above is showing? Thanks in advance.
3:43
